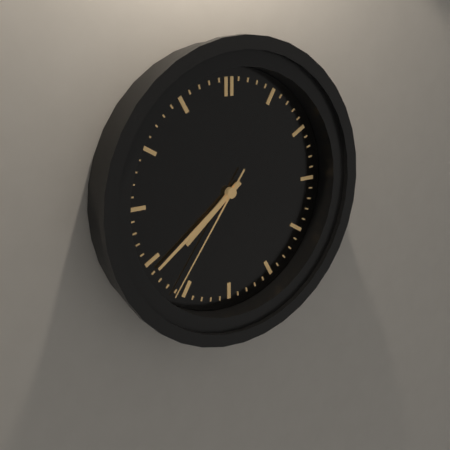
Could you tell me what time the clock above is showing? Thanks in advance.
7:39:36
